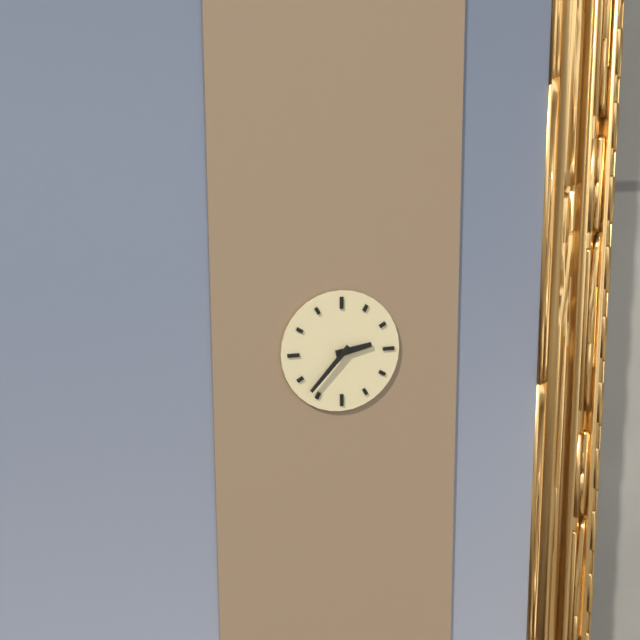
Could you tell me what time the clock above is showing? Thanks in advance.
2:37
